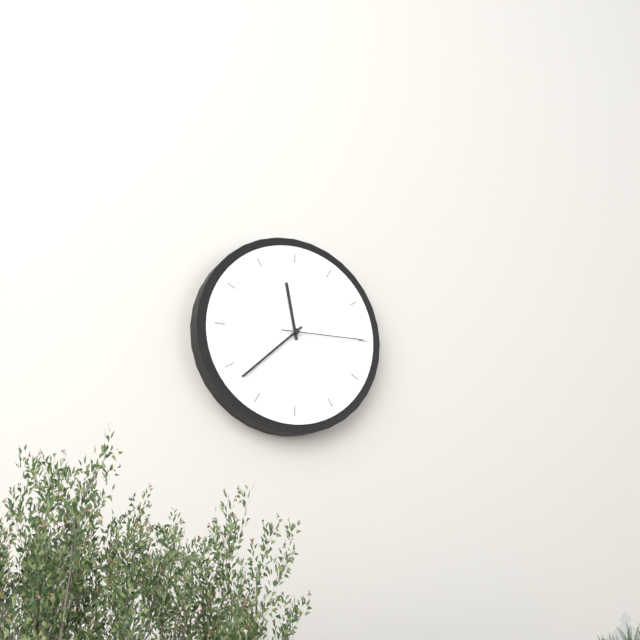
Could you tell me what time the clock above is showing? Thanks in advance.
11:38:15
